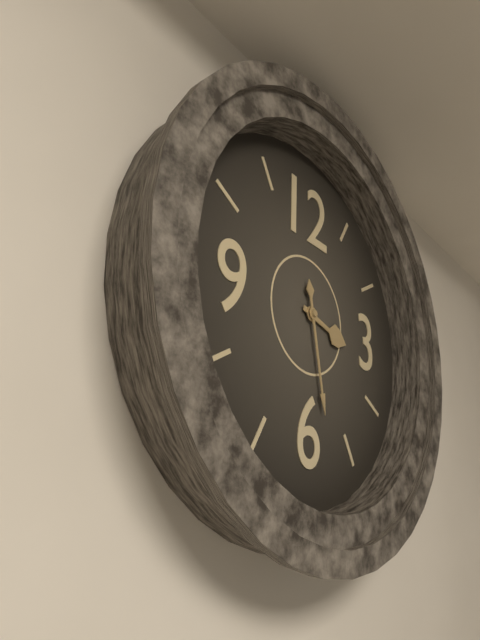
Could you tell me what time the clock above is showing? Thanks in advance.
3:28
